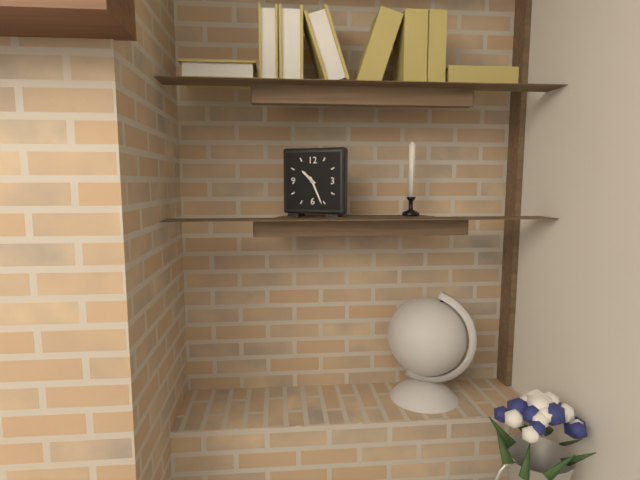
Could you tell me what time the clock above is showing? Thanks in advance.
10:26
